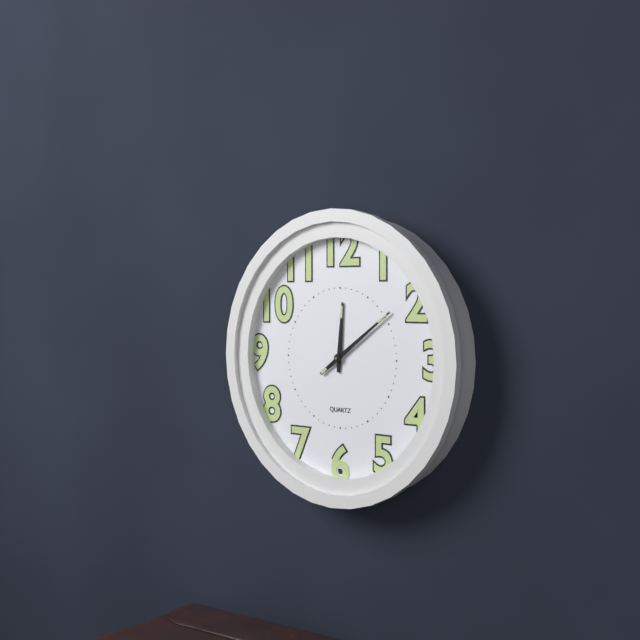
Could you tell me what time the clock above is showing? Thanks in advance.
12:09
